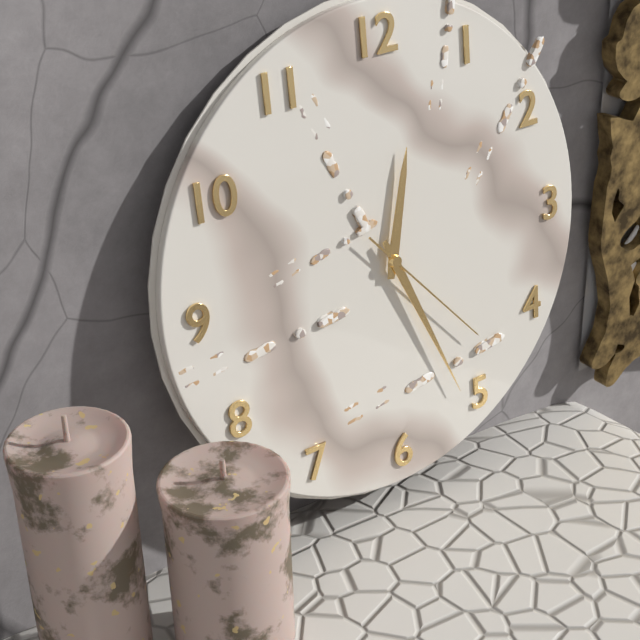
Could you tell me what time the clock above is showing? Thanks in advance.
12:26:23
